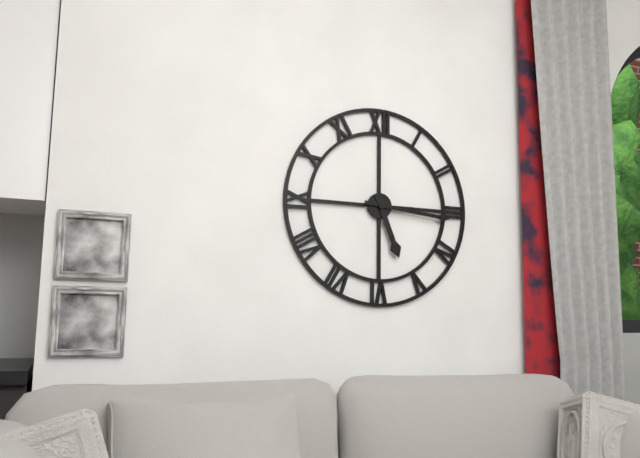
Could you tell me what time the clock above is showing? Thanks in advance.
5:16
